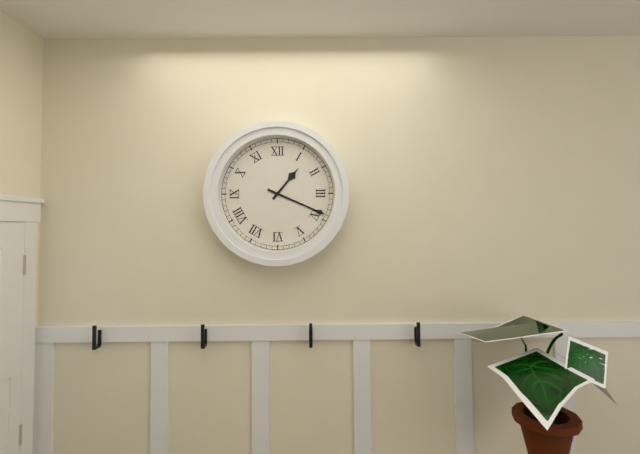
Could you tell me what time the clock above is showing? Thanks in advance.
1:19
